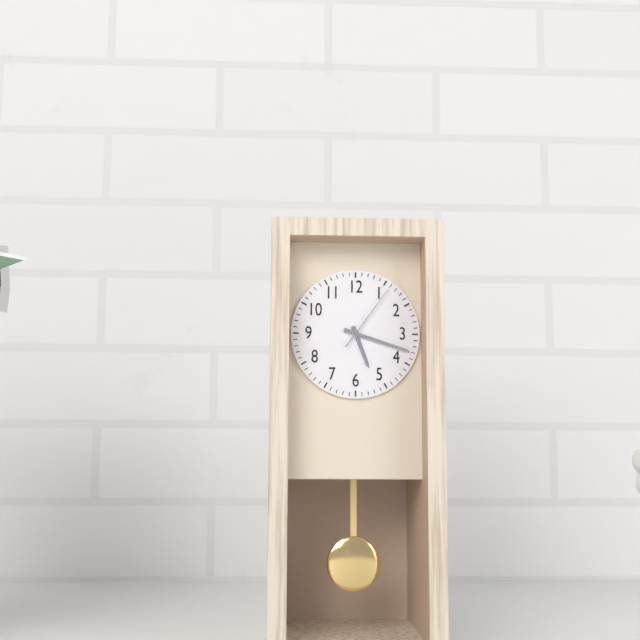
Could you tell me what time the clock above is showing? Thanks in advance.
5:18:06
